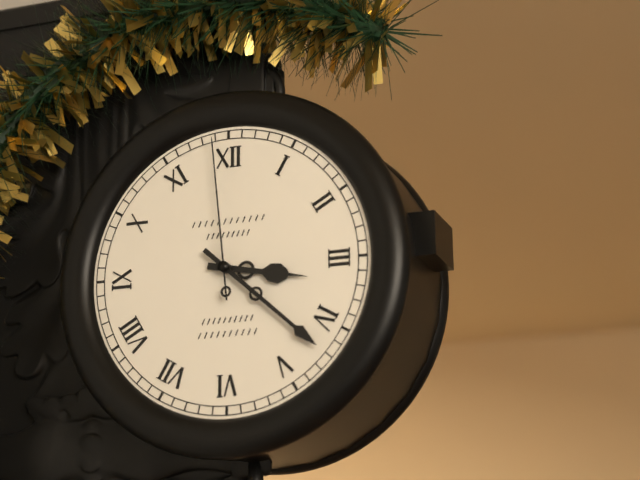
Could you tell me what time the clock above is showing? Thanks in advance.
3:22:59
